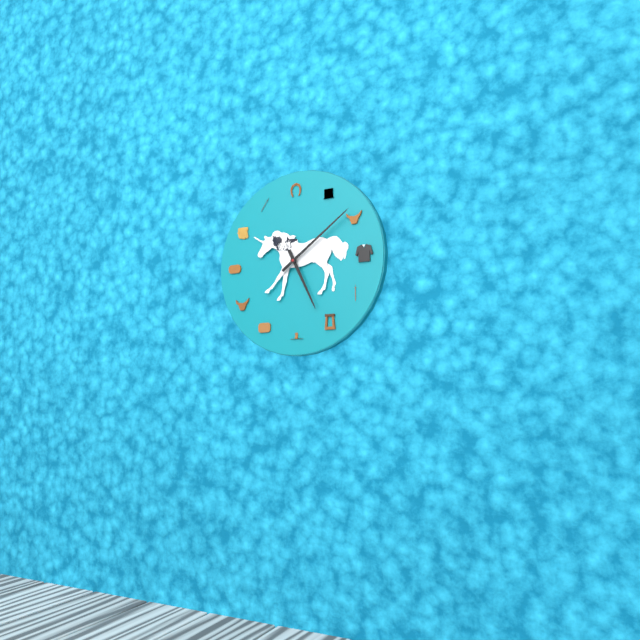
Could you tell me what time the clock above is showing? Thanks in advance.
5:09
